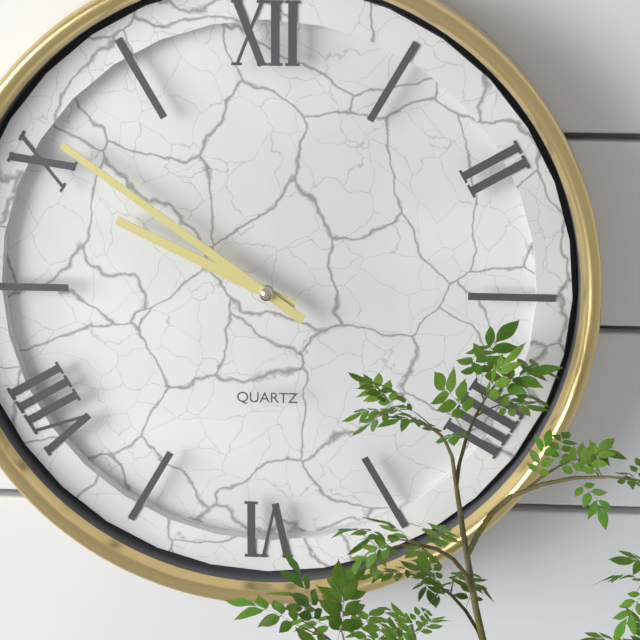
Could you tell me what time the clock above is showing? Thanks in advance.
9:51
